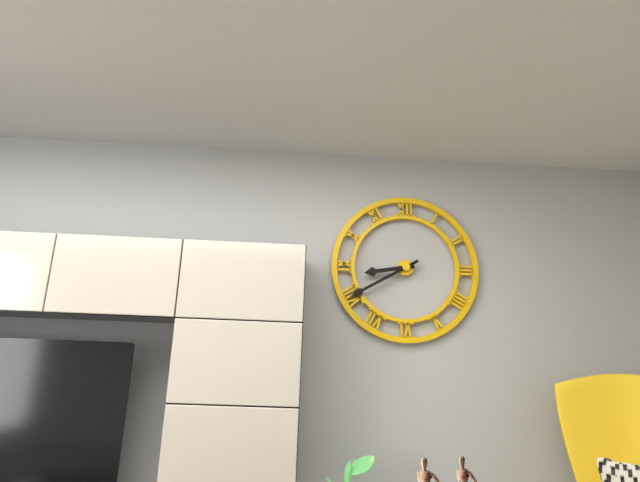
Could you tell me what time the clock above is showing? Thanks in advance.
8:40
